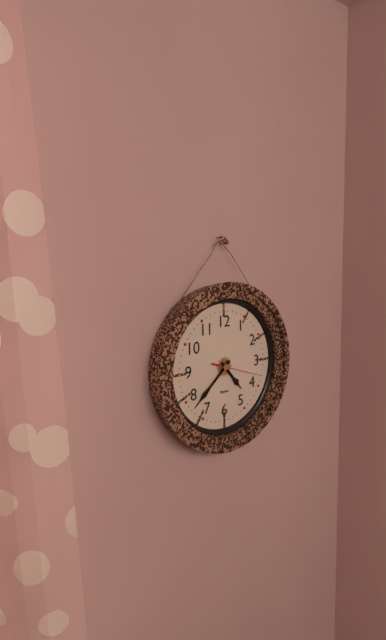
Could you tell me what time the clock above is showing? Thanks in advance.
4:38
